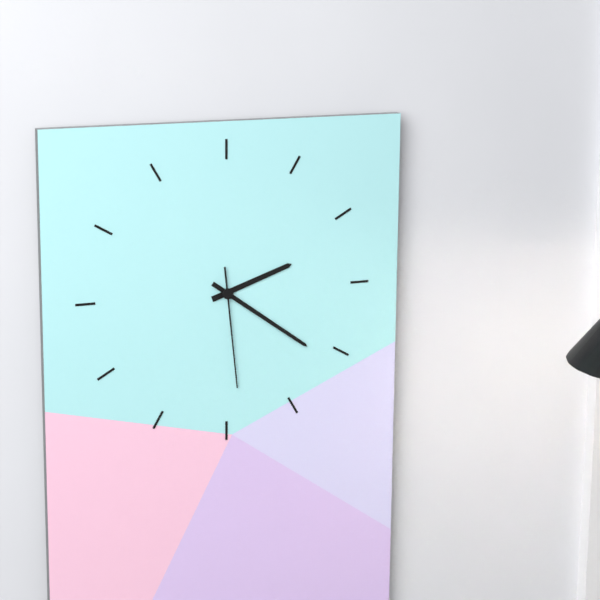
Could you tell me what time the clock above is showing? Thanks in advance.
2:21:29
